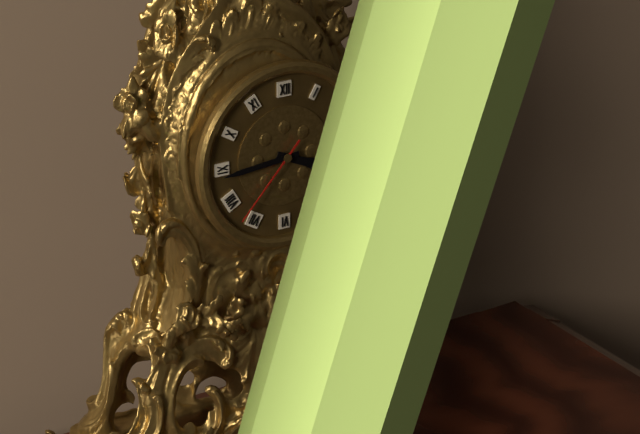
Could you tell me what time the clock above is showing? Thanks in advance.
3:44:37
